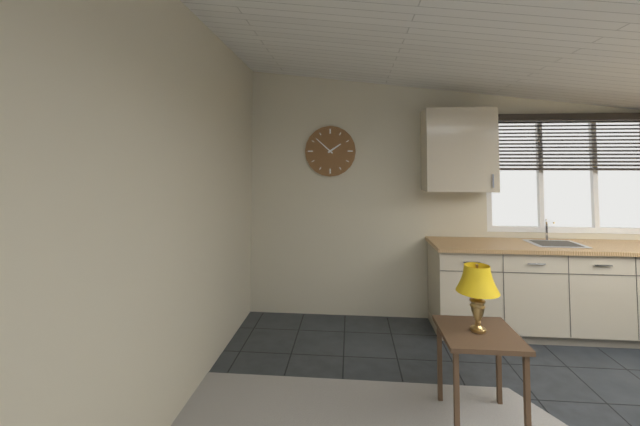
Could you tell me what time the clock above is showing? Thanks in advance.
1:52
